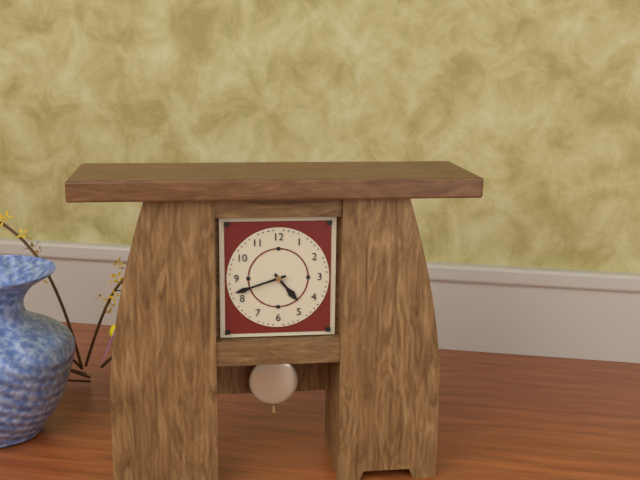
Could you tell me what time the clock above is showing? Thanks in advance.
4:42
